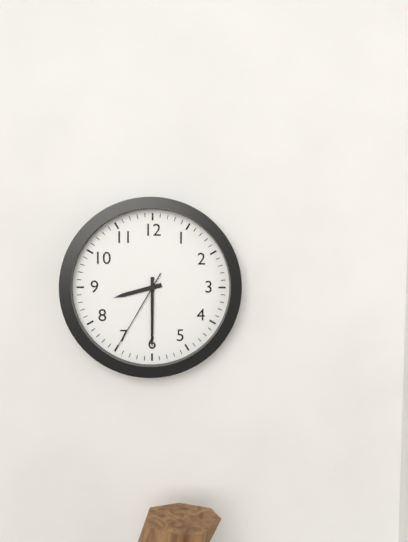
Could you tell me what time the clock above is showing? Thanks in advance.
8:30:35
